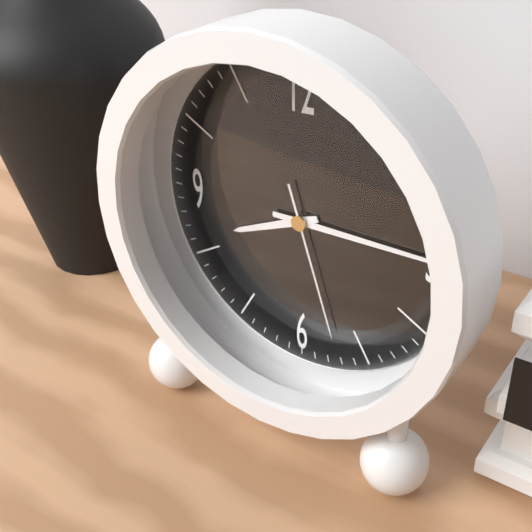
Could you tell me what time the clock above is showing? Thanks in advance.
8:15:27
